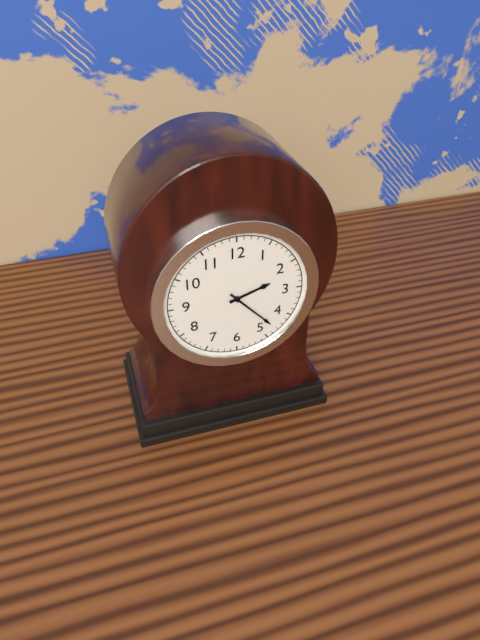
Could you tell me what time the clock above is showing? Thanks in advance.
2:23
